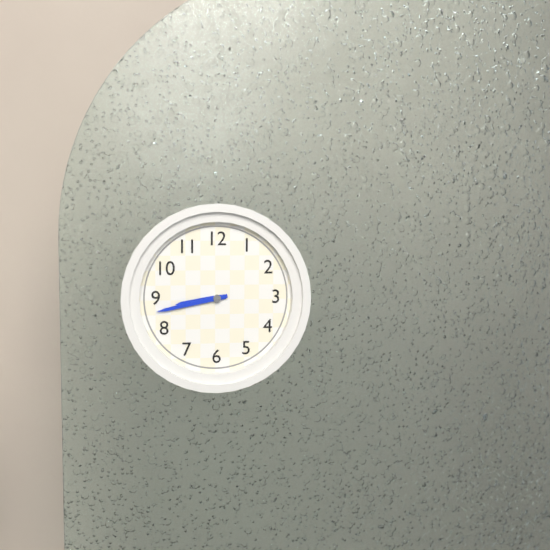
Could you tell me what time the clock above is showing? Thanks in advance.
8:43
